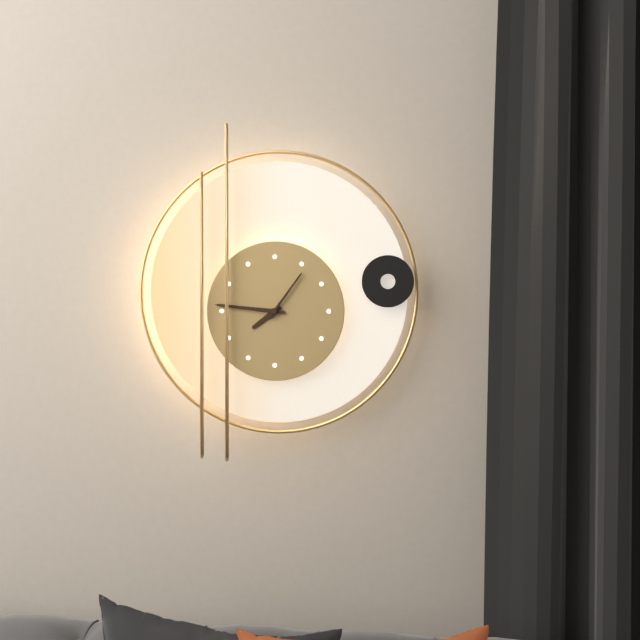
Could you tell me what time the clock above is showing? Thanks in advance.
7:46:06
